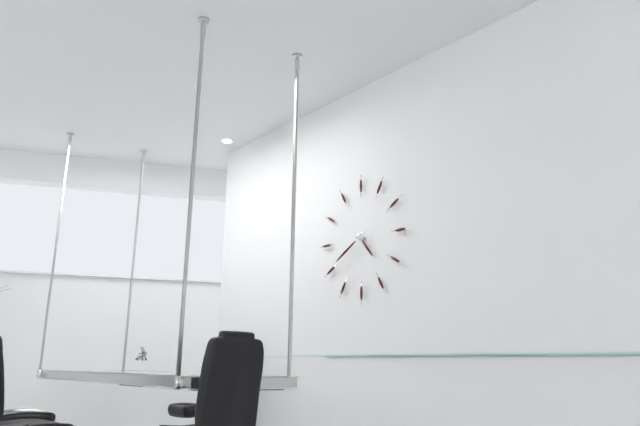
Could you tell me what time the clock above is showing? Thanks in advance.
4:40
